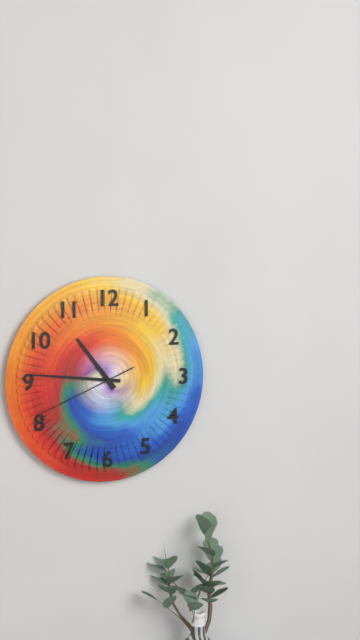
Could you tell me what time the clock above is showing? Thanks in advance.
10:46:41
